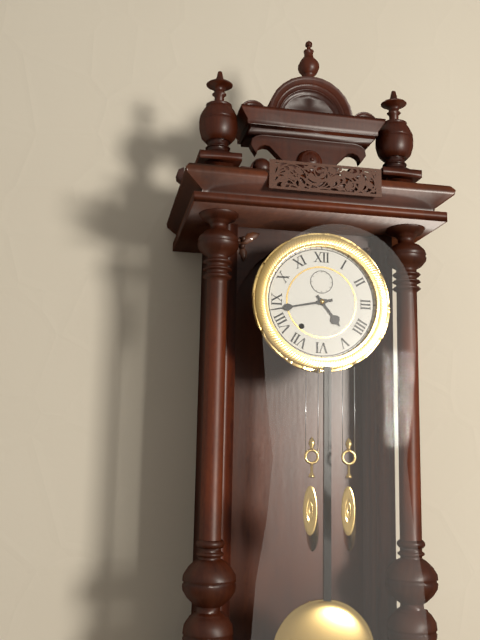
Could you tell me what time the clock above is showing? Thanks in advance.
4:43
